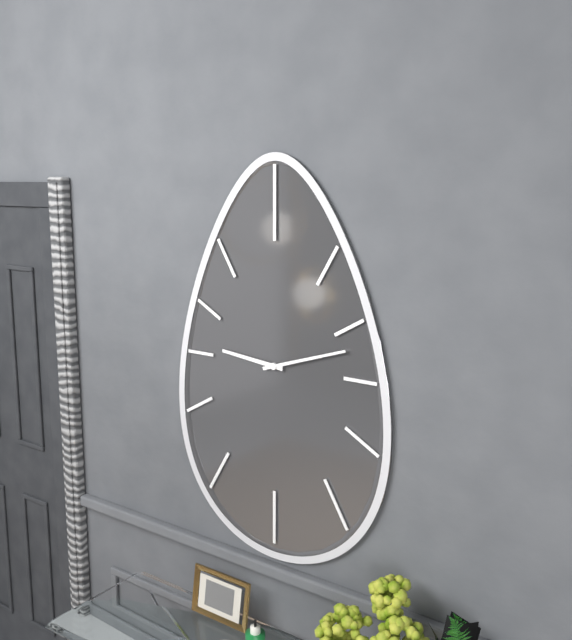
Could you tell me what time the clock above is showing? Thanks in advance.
9:12
